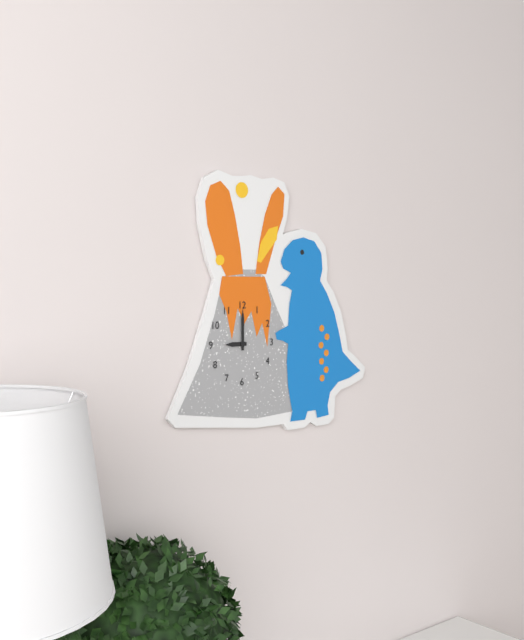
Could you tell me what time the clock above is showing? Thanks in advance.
9:00
